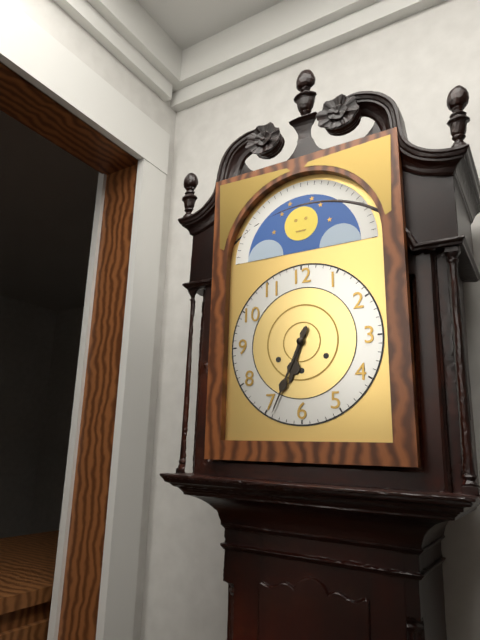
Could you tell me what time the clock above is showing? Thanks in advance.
6:34
